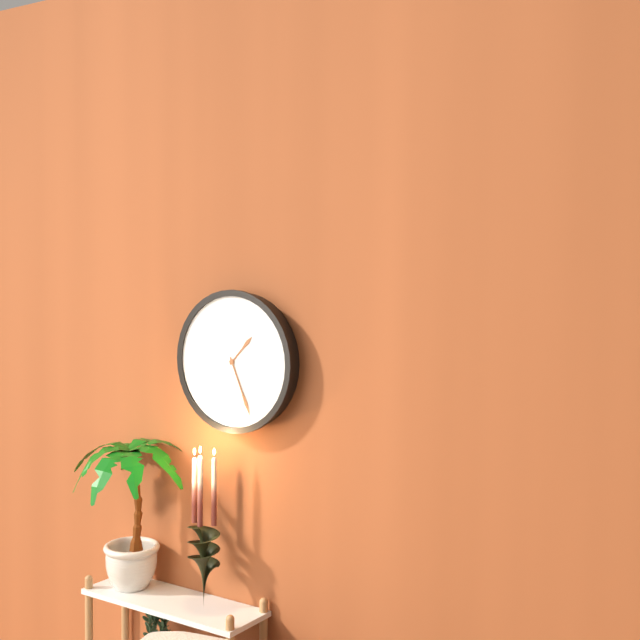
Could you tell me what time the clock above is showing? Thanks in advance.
1:26
